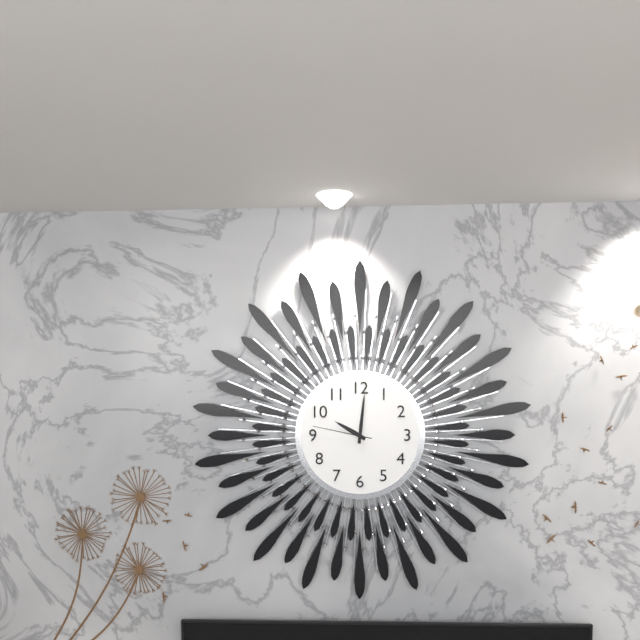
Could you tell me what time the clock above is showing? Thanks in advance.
10:01:47
